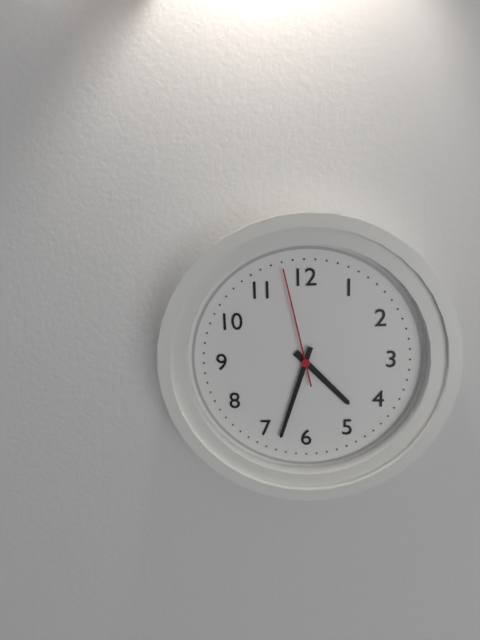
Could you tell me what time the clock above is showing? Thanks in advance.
4:33:58
